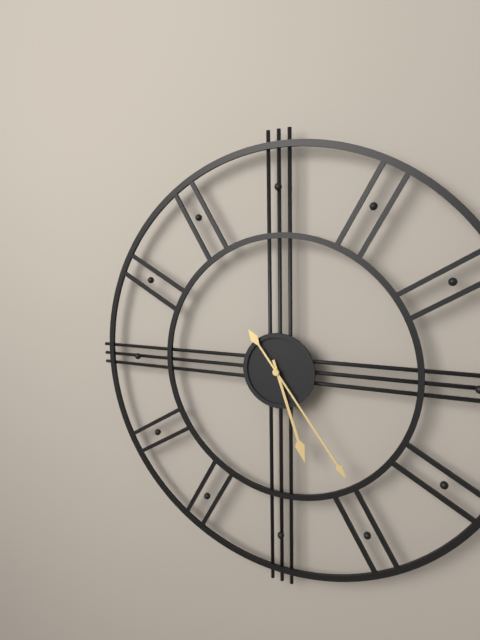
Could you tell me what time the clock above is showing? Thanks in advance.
5:24
